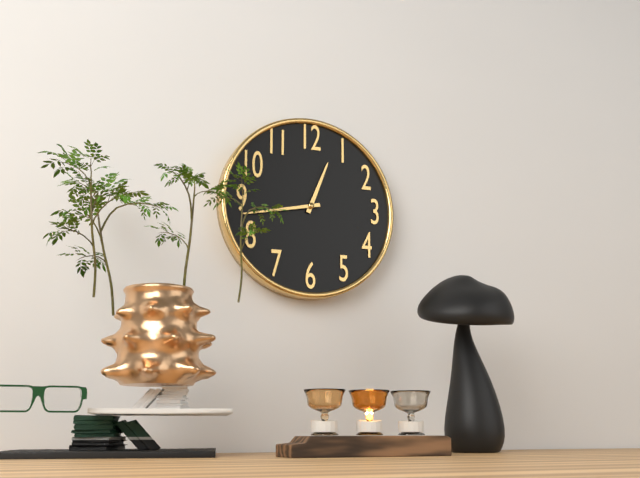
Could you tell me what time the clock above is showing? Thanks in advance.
12:43
